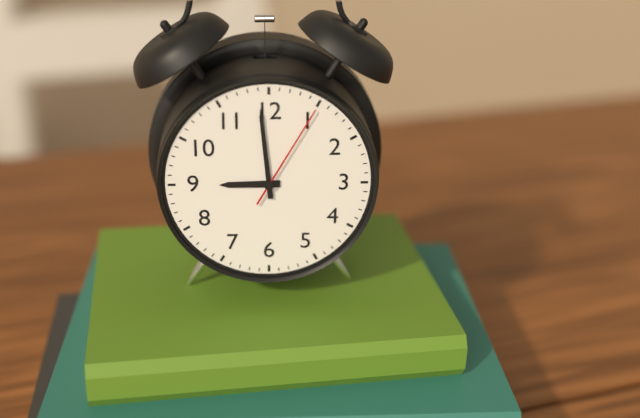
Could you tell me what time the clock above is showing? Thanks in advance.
8:59:05
